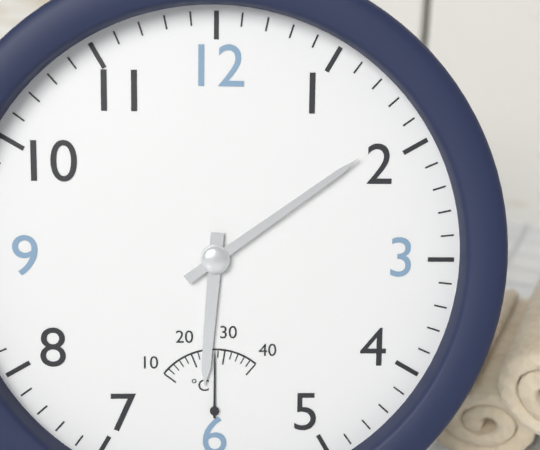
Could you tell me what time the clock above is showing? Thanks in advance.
6:09
